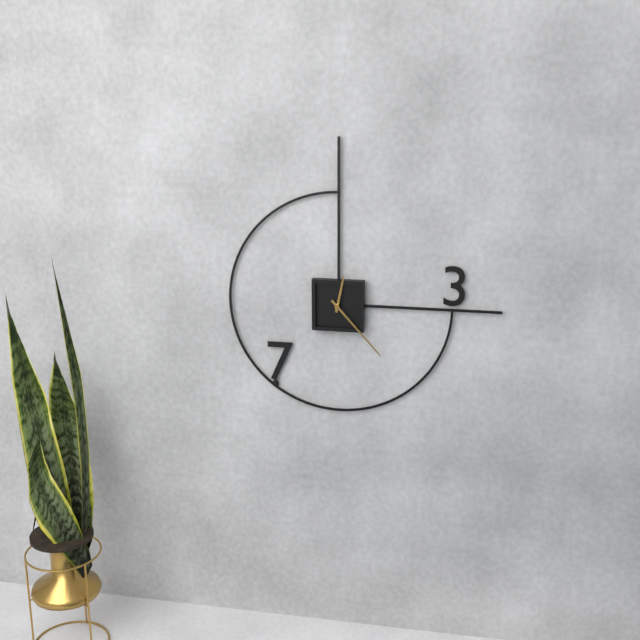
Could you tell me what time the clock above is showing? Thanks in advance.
12:23
